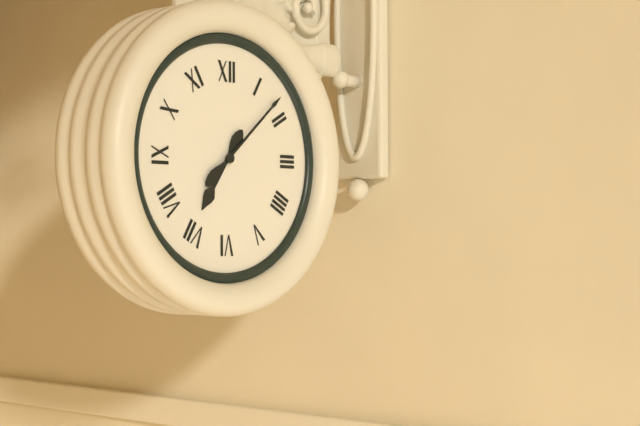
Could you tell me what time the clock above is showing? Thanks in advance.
7:08
